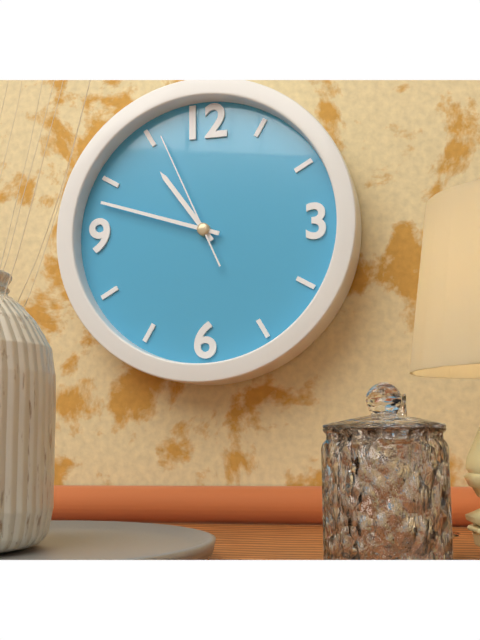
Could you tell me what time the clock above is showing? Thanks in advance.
10:48:56
